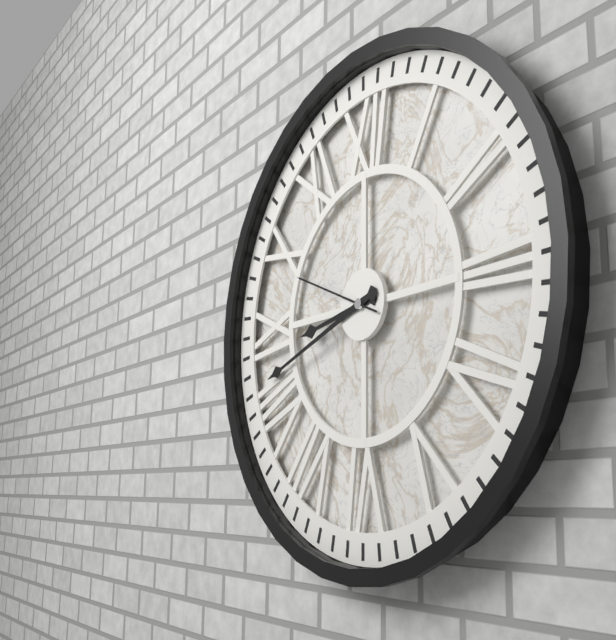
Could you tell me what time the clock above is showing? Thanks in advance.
8:42:49
